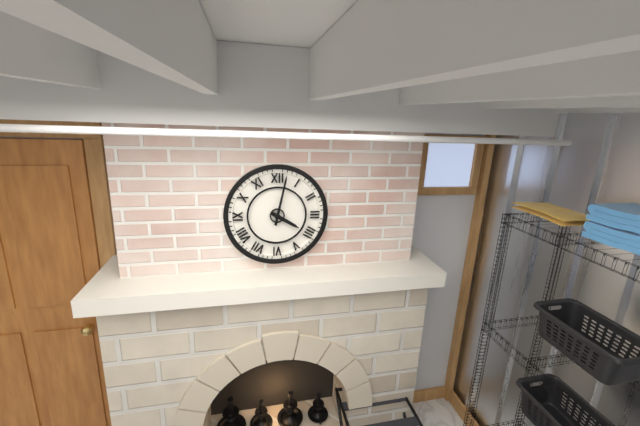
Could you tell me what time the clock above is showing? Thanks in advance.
4:02
